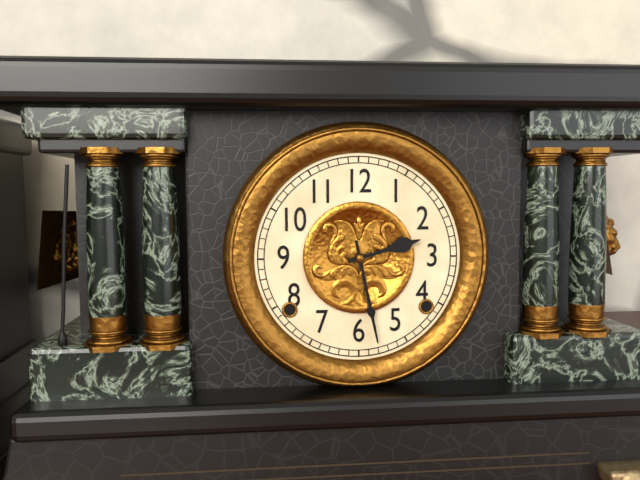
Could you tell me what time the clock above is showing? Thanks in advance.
2:28
